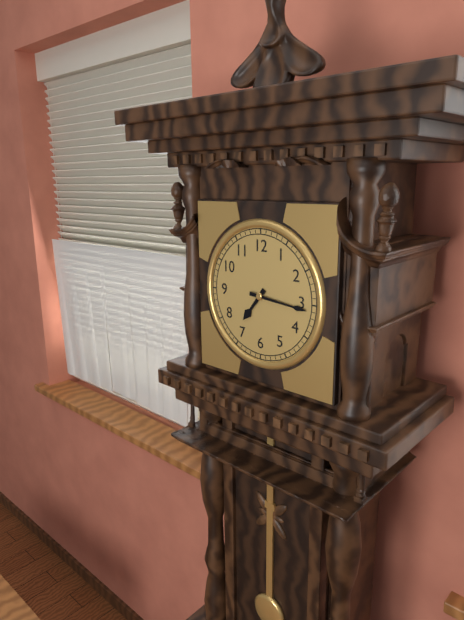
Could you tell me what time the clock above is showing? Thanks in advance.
7:16
